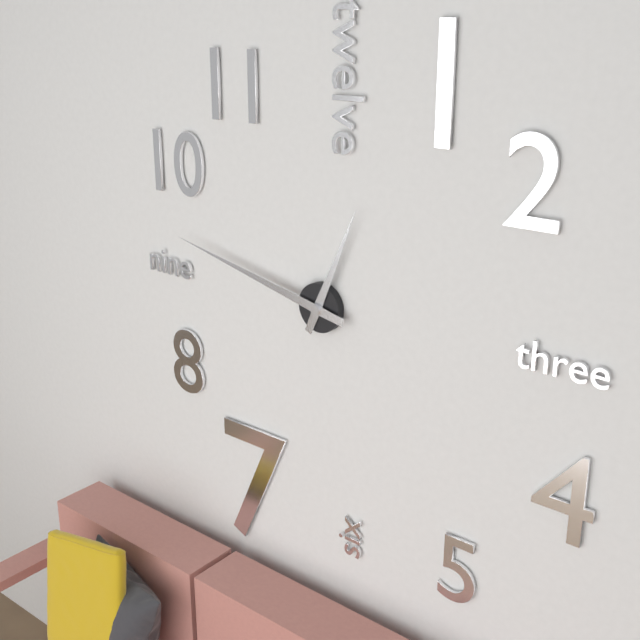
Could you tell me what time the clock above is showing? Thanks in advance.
12:47
